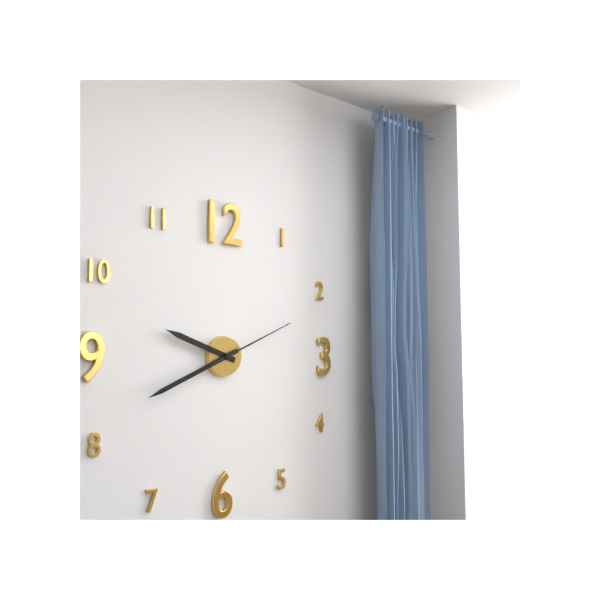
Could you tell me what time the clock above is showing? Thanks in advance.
9:41:11
